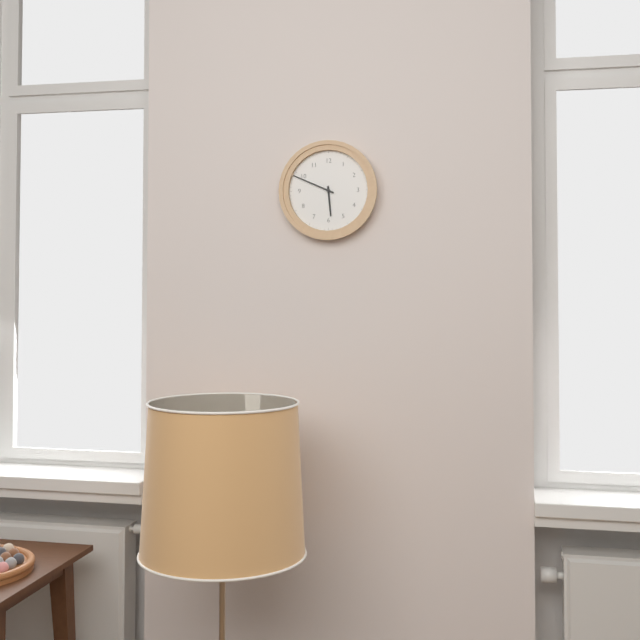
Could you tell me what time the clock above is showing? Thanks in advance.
5:49
